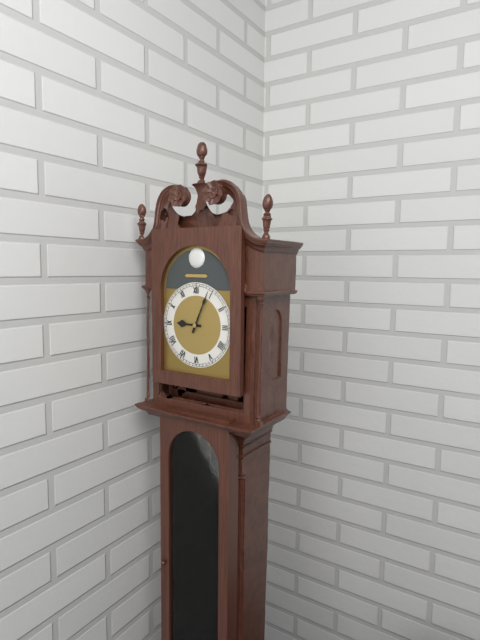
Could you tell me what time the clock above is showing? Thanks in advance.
9:04
